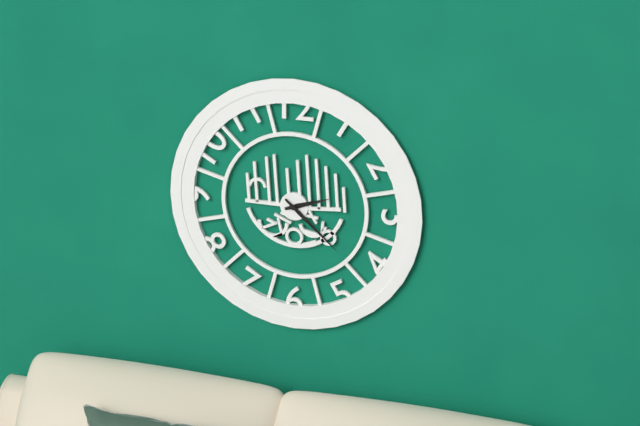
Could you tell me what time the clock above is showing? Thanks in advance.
2:22
